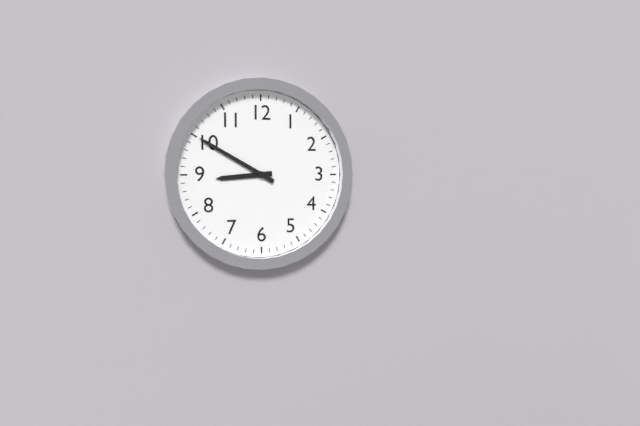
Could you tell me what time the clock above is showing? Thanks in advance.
8:50
